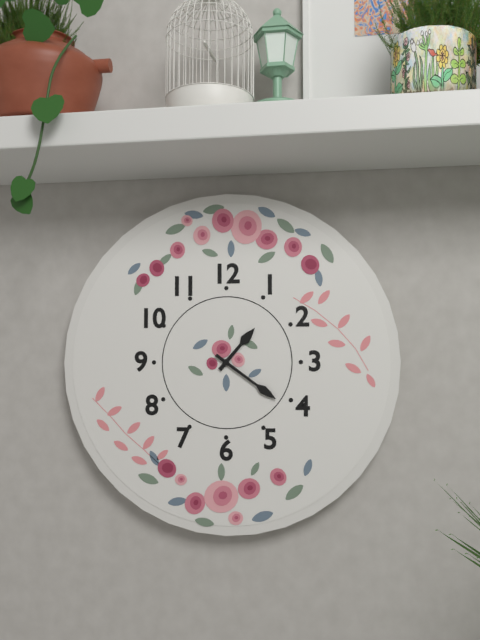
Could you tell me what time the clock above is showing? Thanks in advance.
1:21
